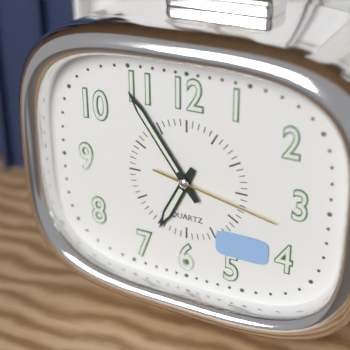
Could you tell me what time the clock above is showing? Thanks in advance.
6:54:17
